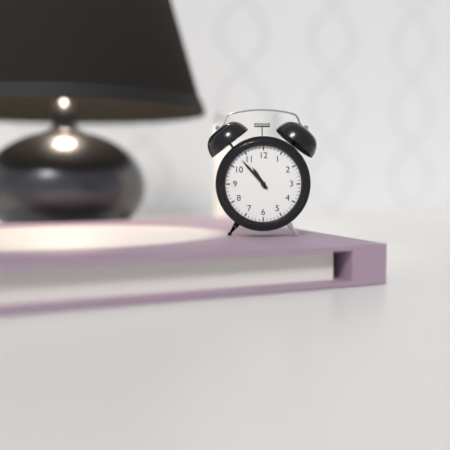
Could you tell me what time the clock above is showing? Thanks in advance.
10:53
